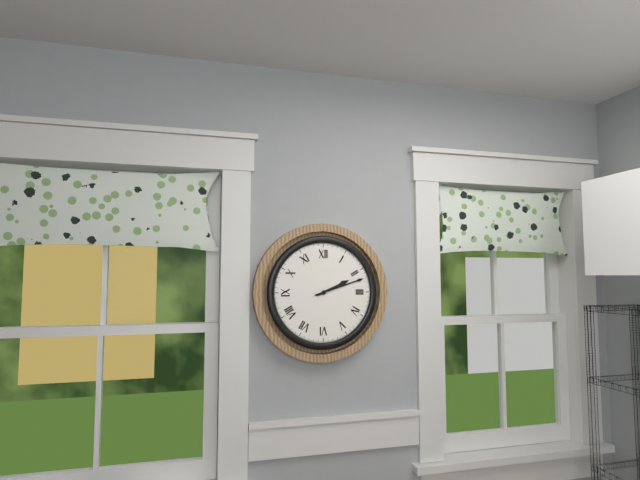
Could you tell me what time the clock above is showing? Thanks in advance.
2:12
